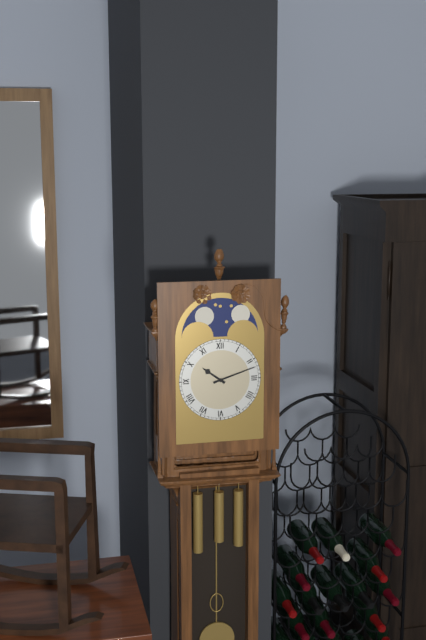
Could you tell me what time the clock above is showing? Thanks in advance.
10:12
